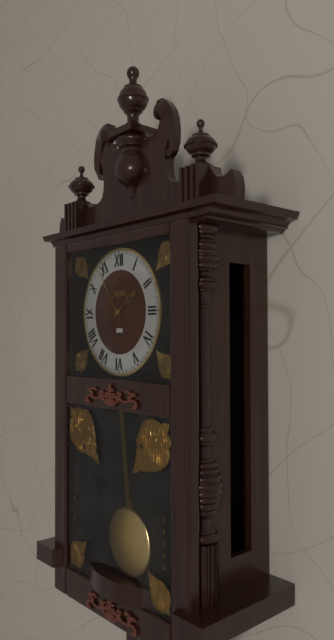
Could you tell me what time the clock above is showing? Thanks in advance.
1:54
